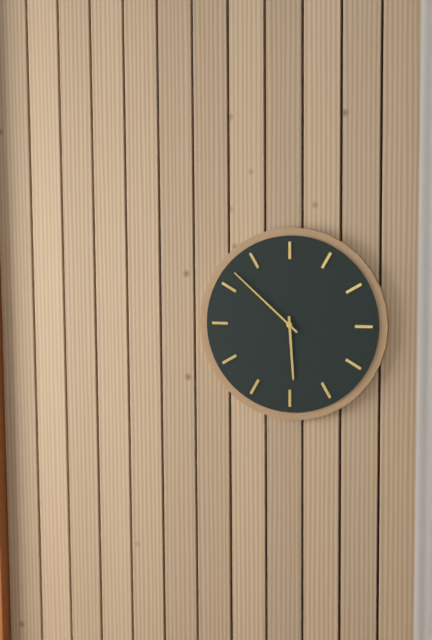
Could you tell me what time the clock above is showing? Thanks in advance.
5:52
